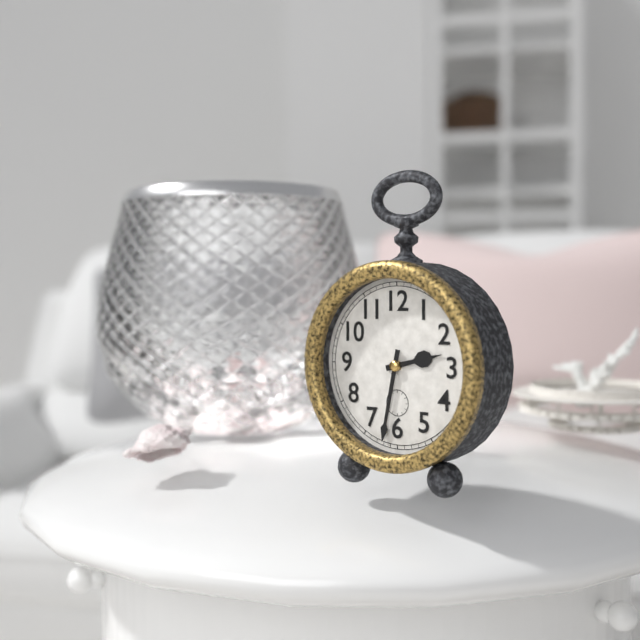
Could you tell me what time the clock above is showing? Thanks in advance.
2:32
